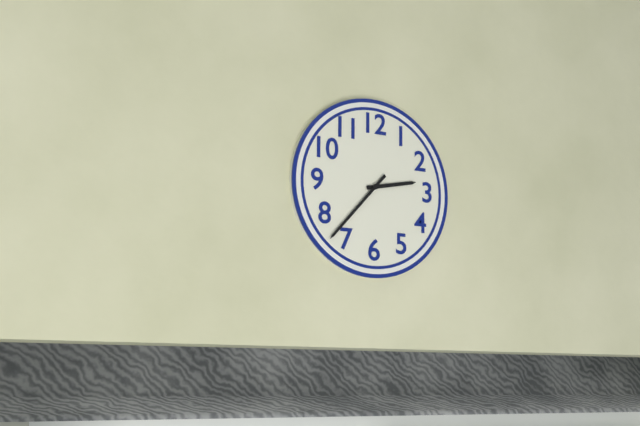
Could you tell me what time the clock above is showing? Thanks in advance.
2:37
